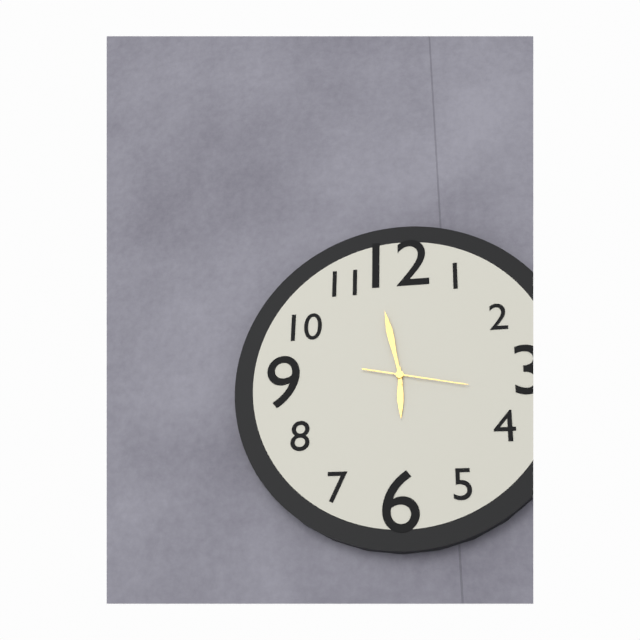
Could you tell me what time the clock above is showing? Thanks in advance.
5:58:17
